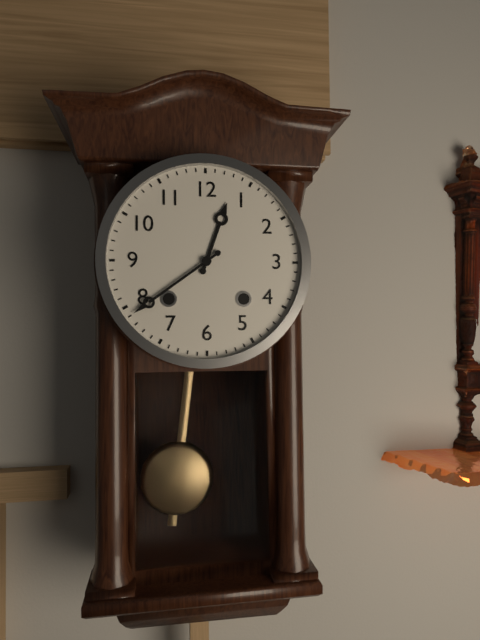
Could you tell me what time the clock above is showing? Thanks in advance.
12:39
